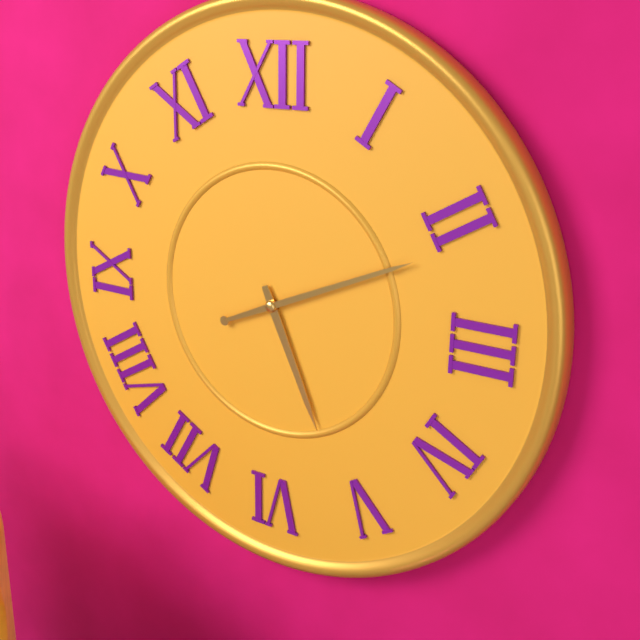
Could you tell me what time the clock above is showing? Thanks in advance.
5:11
